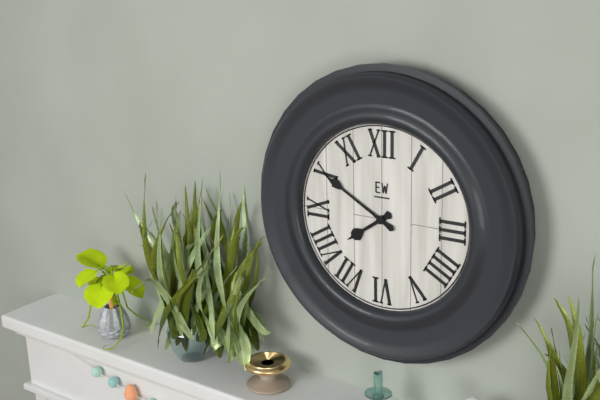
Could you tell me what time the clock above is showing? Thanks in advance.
7:50
